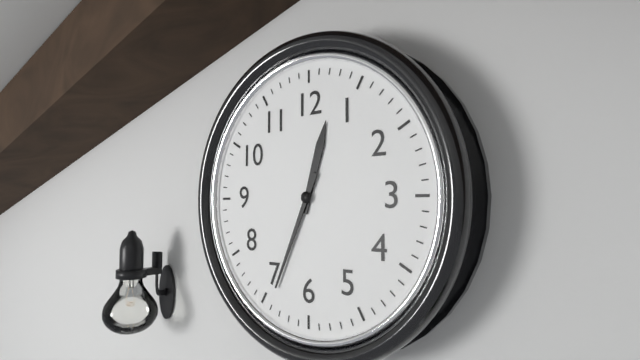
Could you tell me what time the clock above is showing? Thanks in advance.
12:34
